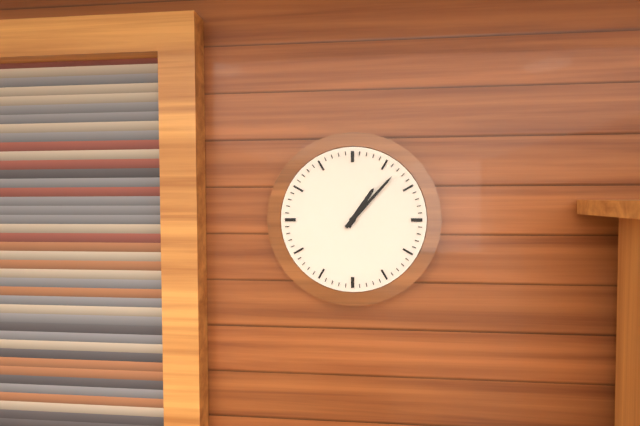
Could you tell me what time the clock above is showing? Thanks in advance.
1:07
